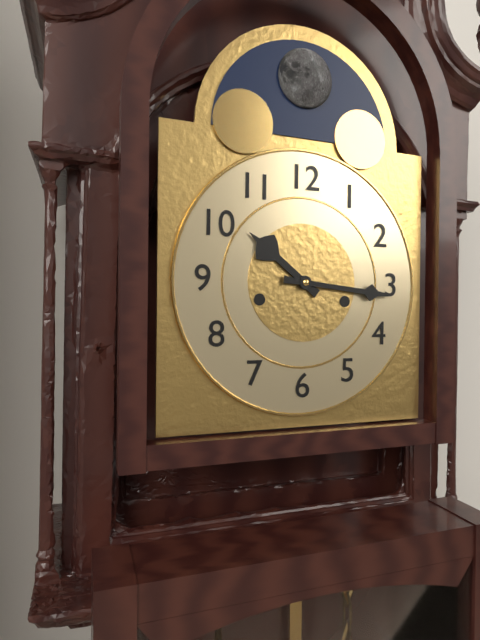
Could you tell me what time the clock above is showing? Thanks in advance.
10:16
